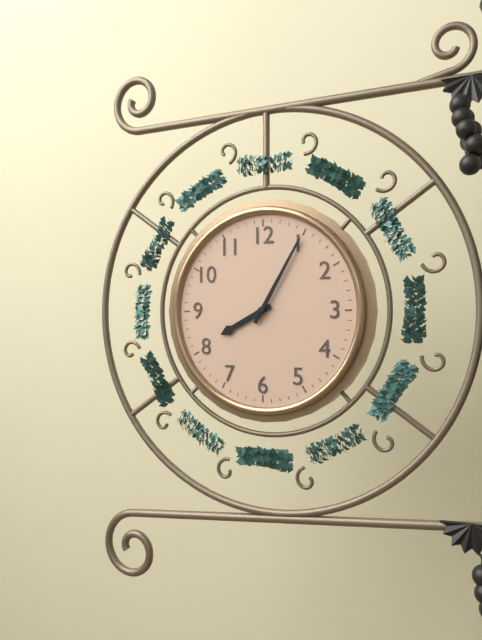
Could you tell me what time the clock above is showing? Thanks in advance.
8:05
